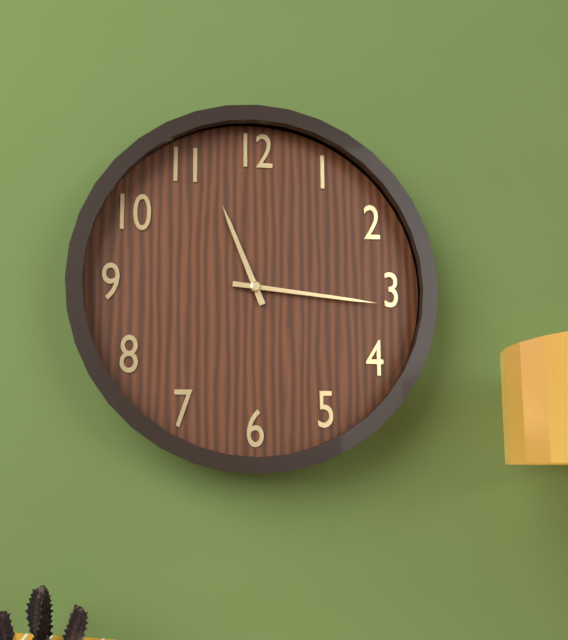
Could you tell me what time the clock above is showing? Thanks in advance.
11:16
